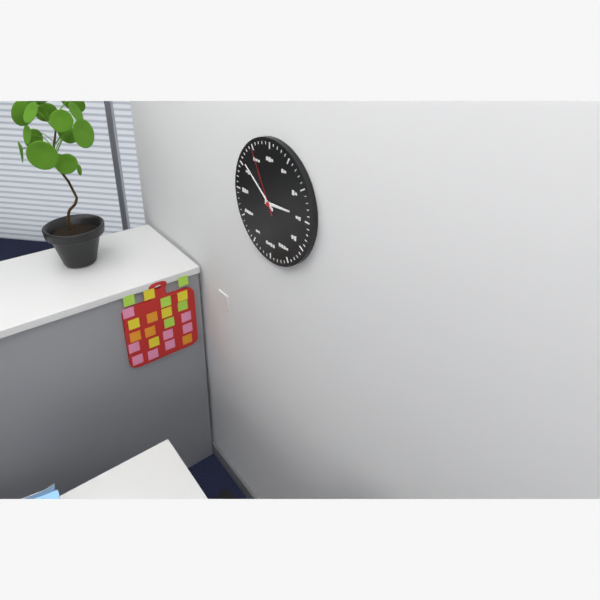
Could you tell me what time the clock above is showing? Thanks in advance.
2:51:55
